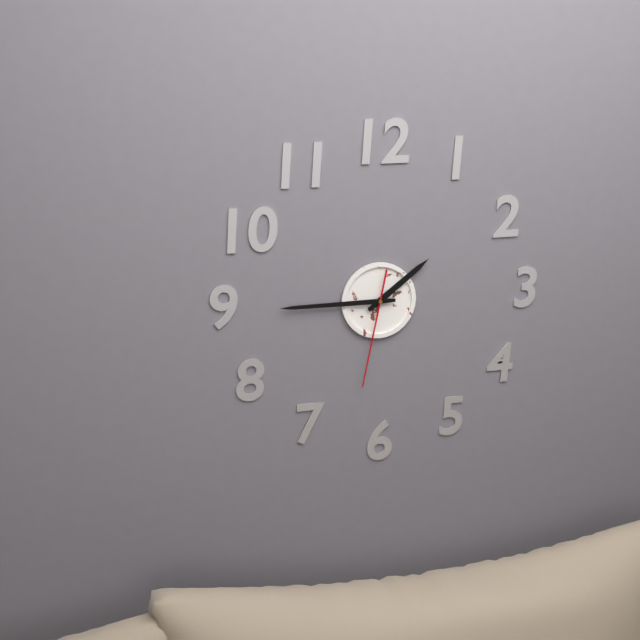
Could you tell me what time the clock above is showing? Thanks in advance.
1:45:32
